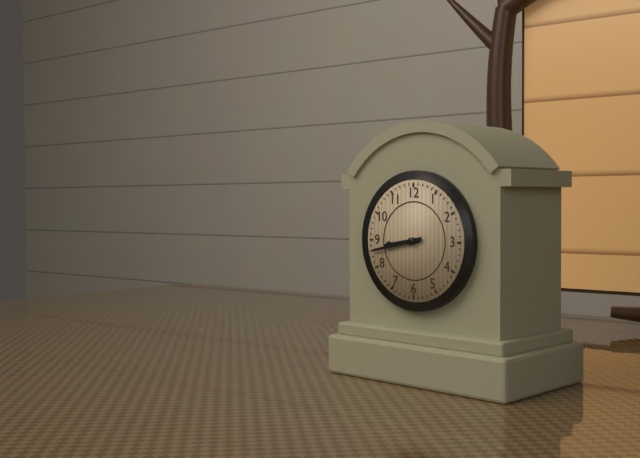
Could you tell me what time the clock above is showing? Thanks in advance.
8:43
